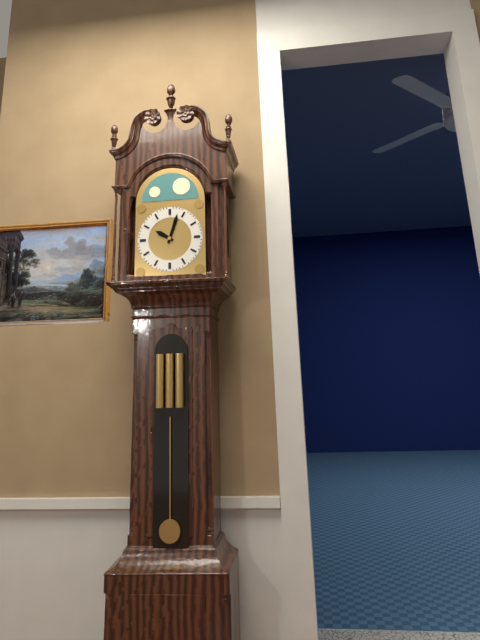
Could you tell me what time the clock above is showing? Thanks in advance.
10:03
